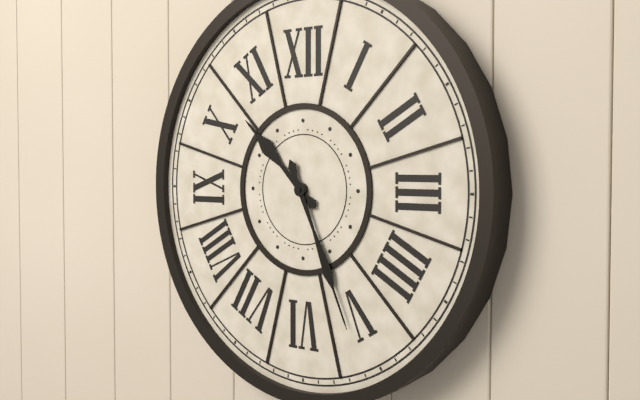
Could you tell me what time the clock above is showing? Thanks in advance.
10:26
